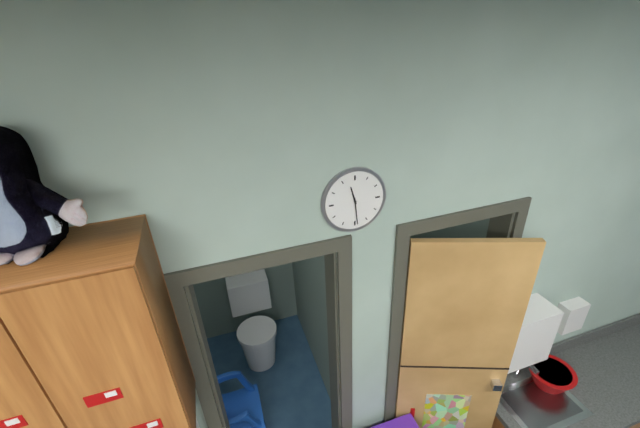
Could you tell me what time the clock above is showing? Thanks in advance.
11:29
